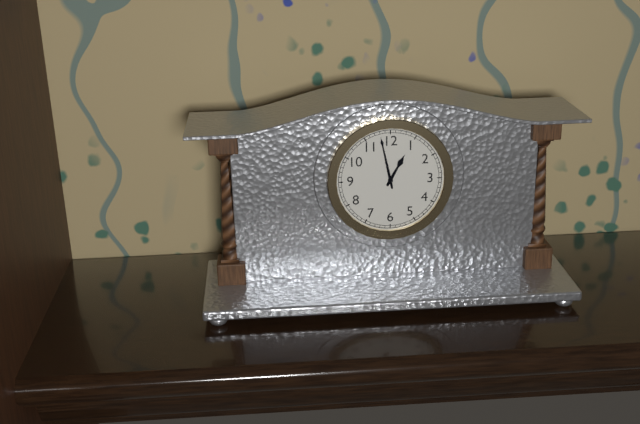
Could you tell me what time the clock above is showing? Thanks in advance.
12:58
